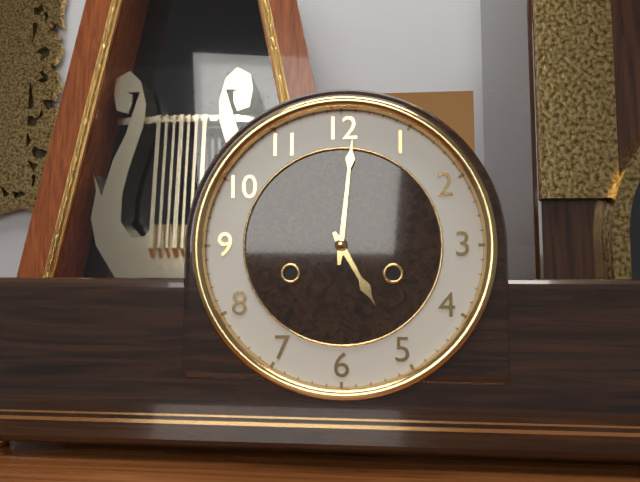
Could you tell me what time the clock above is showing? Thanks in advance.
5:01
